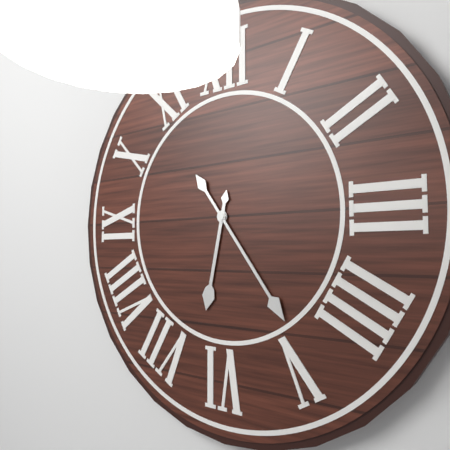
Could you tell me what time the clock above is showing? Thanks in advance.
6:24
